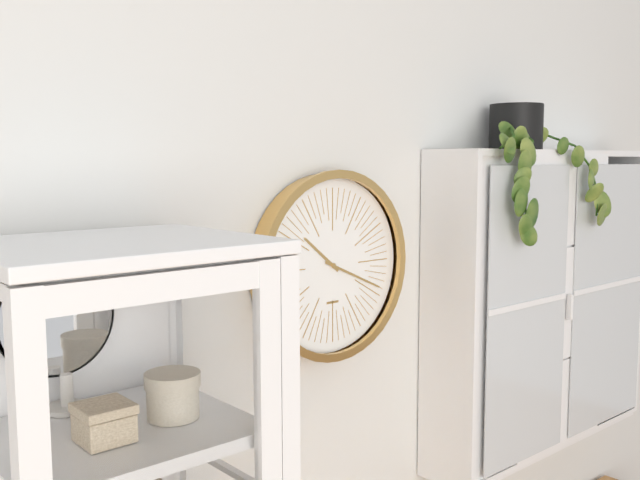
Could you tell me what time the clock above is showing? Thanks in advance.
10:19
